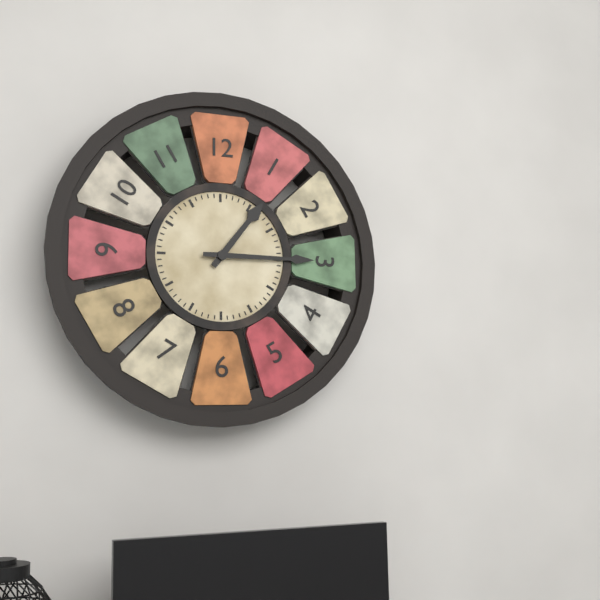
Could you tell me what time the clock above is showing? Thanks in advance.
1:15
